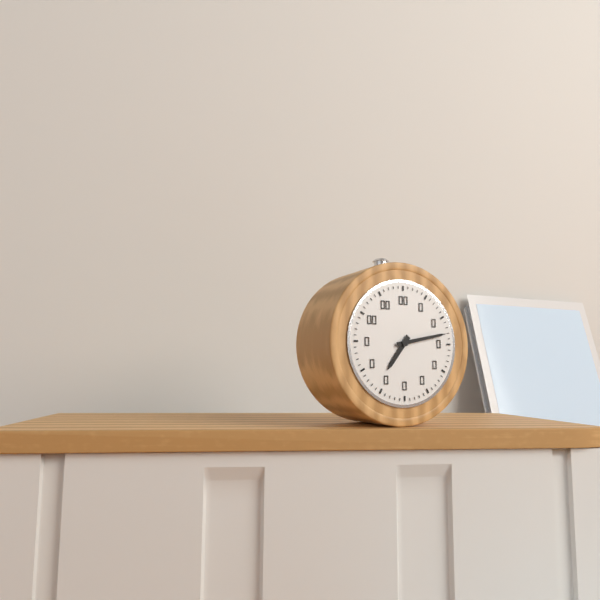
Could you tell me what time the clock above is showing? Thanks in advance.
7:13
